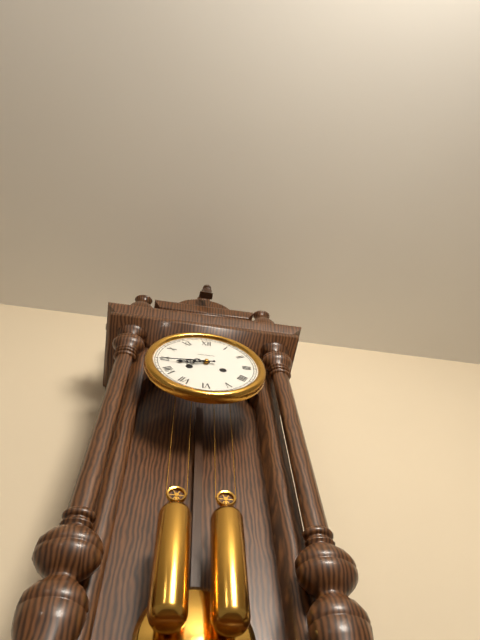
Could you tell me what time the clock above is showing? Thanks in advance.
8:44
